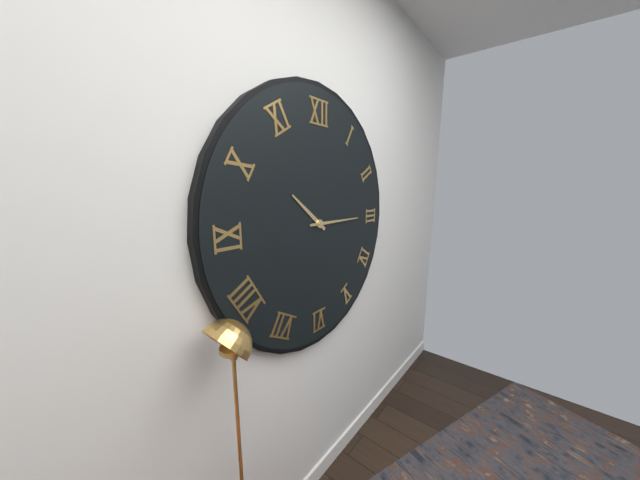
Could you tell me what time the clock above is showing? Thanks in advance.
10:15
